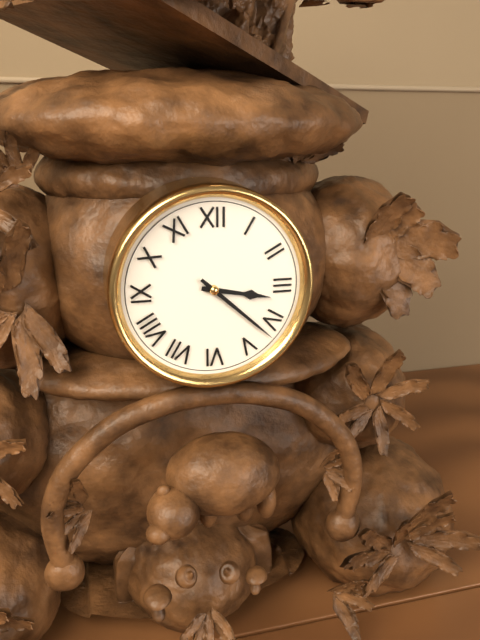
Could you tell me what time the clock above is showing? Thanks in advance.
3:22
